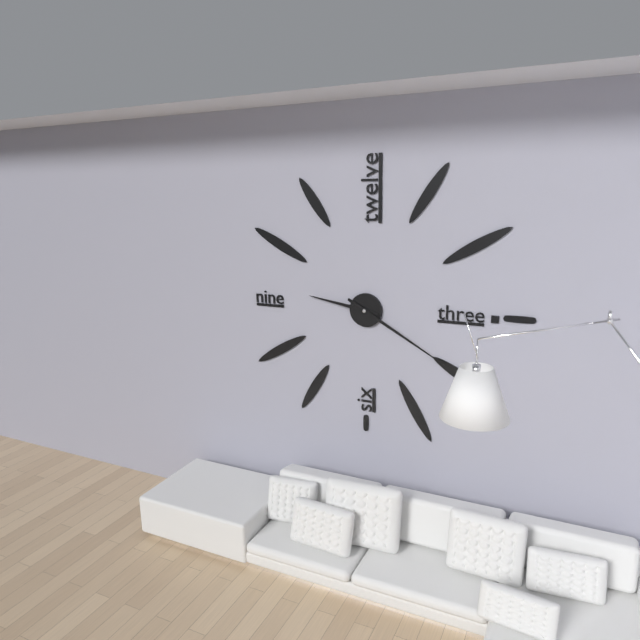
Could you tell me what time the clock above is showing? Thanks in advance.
9:20
